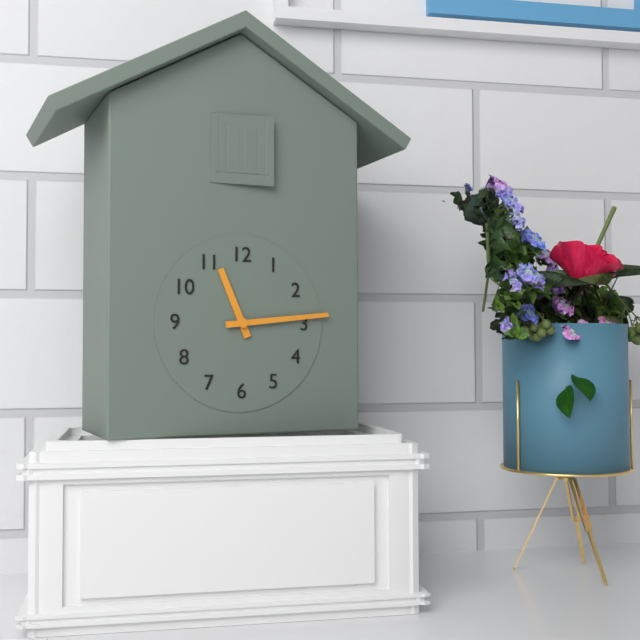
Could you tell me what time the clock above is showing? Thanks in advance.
11:14
